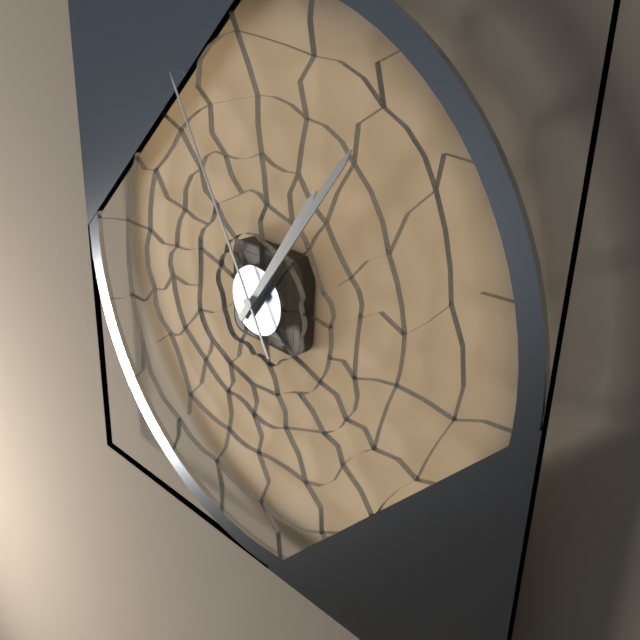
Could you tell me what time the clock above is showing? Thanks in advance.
1:06:55
